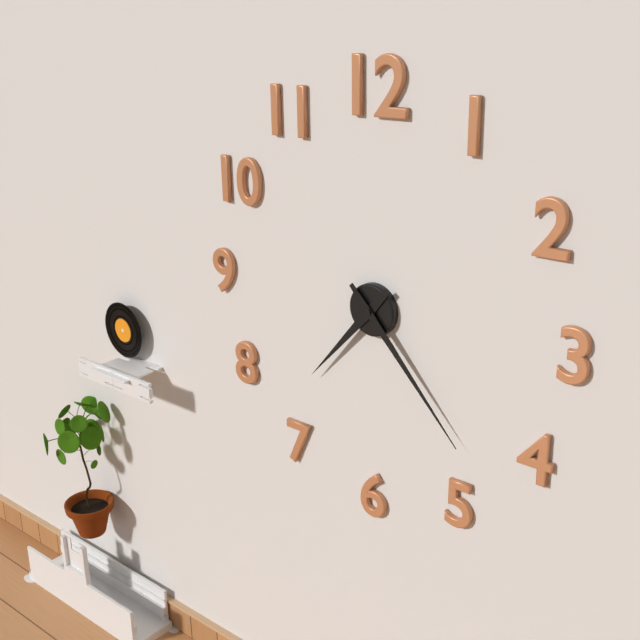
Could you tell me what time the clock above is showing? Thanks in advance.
7:23
